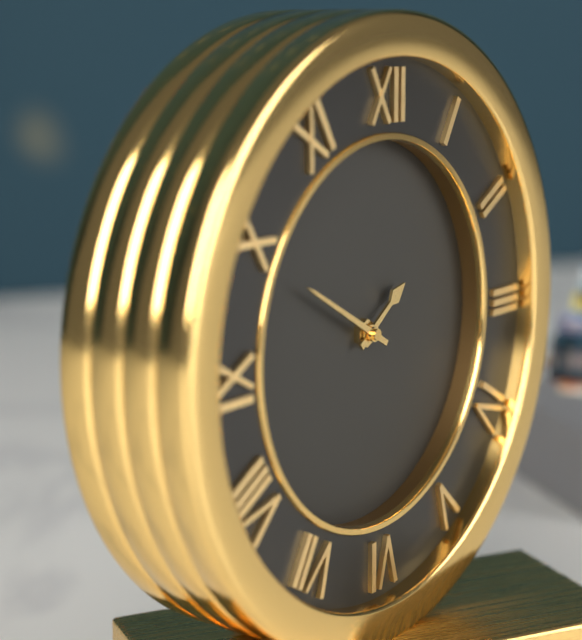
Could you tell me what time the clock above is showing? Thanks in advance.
1:50
